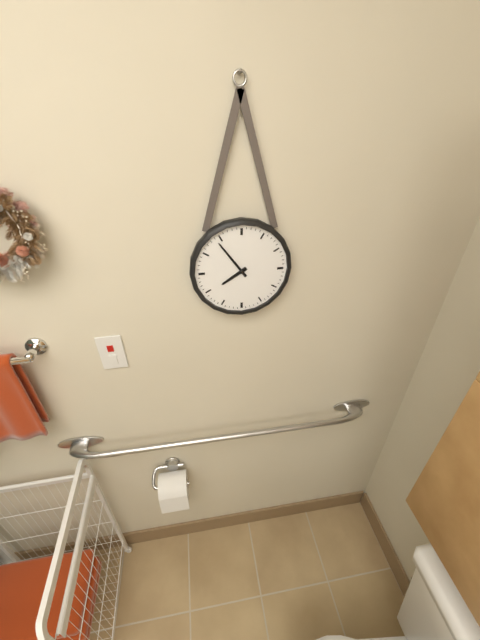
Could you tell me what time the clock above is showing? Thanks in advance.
7:54
